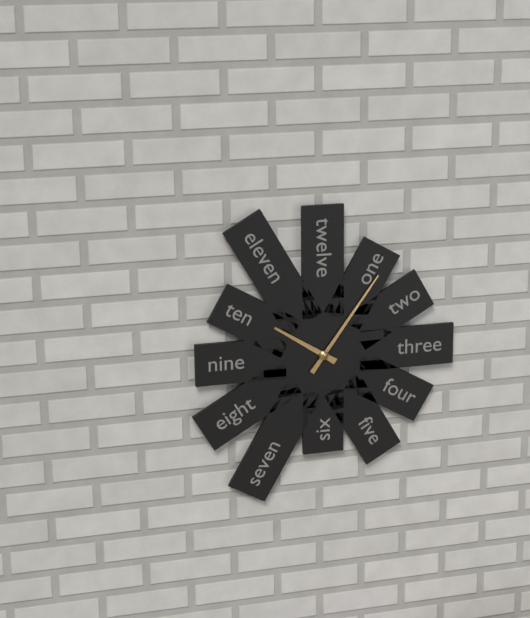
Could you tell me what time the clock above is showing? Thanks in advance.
10:06
